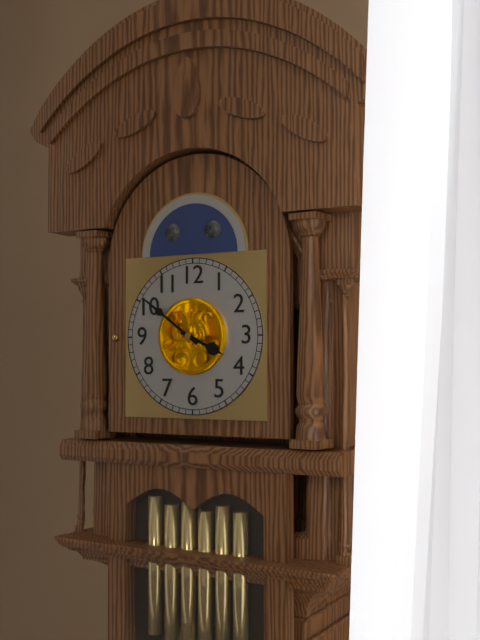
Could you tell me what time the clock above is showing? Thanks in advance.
3:51
